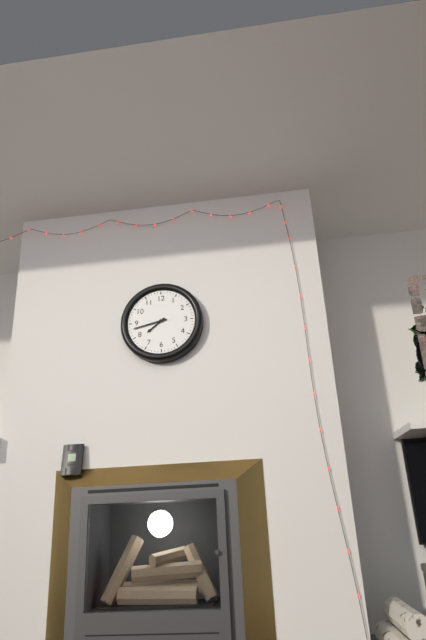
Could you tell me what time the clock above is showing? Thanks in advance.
7:43
